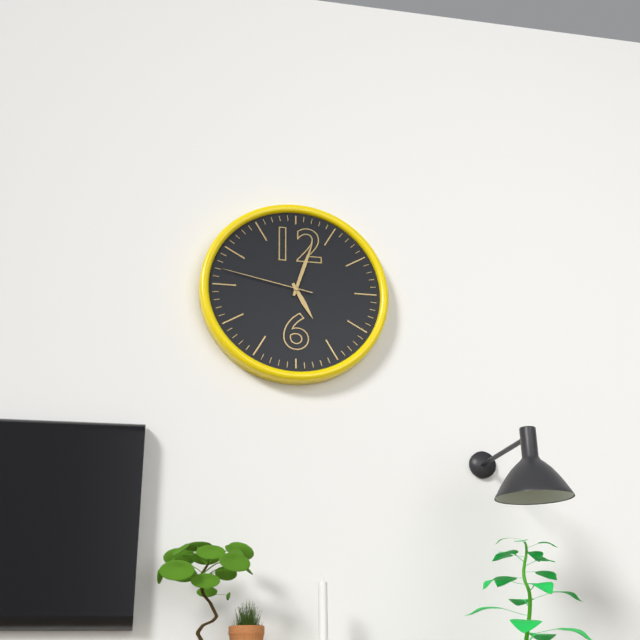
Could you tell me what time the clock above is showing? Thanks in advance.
5:03:47
